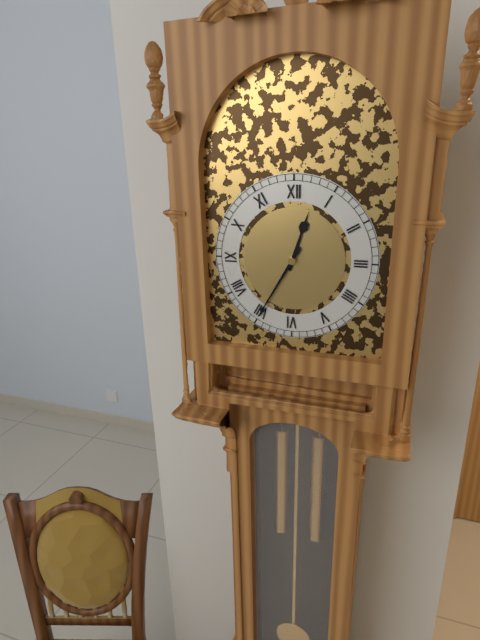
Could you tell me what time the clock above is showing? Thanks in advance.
12:35
